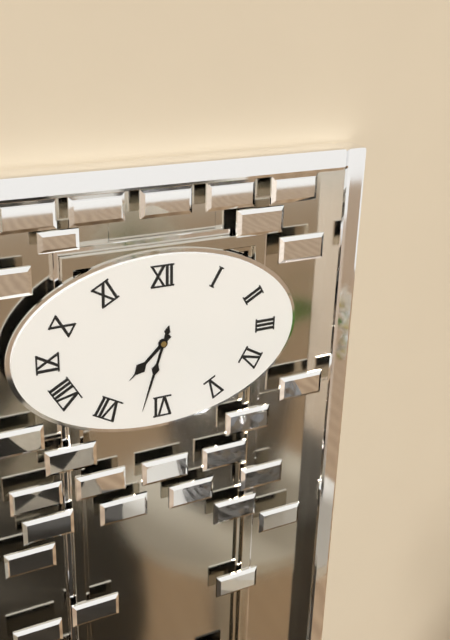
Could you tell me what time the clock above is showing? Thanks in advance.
7:33
